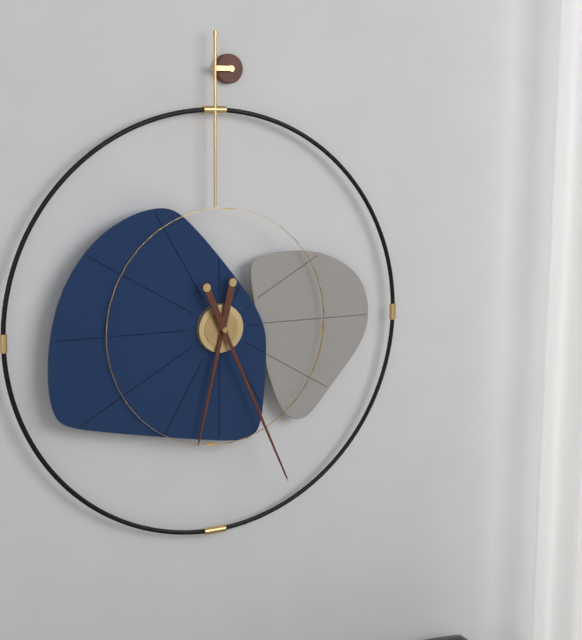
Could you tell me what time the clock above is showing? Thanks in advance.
6:26
